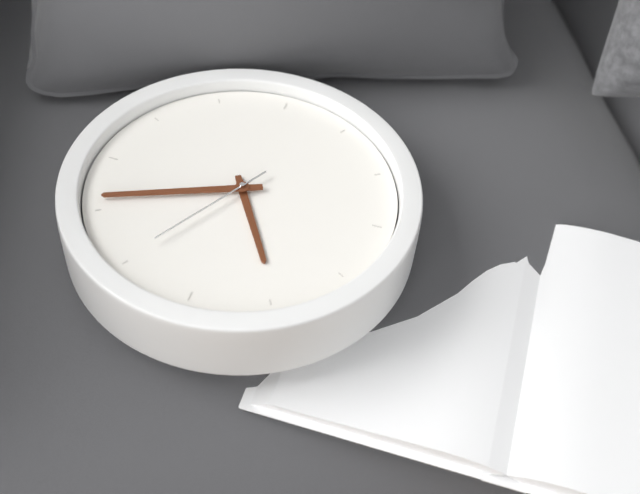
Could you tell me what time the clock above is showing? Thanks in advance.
7:56:50
